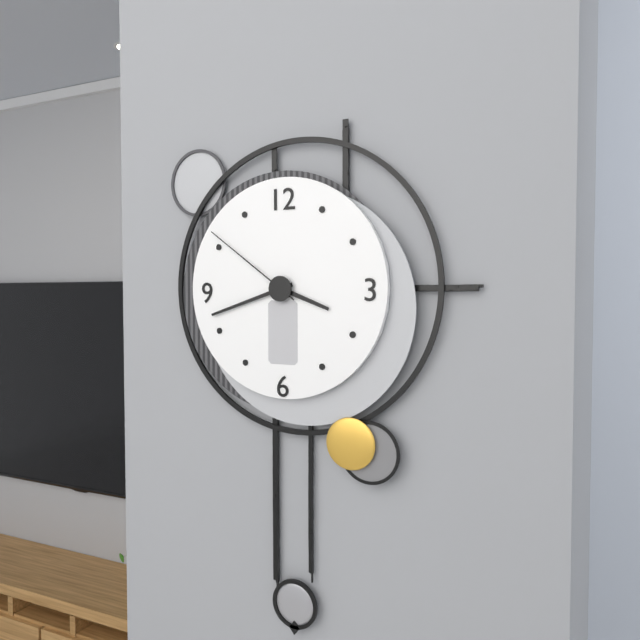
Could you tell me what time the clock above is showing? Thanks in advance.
3:42:51
